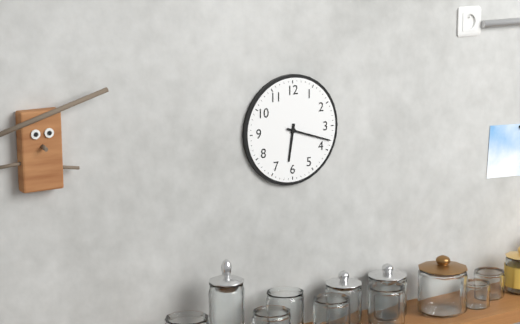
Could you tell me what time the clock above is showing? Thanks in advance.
6:18
